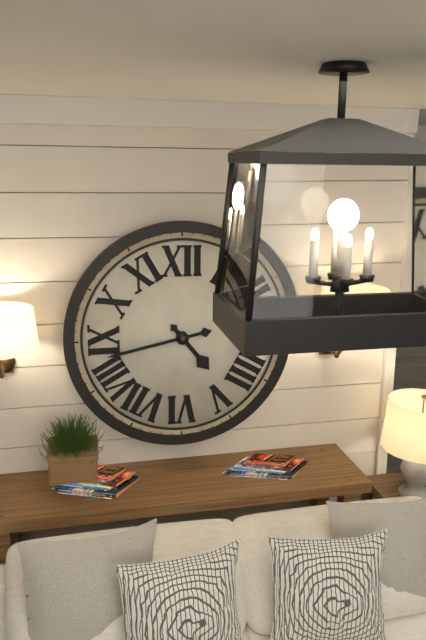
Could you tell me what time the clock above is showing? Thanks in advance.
4:43
